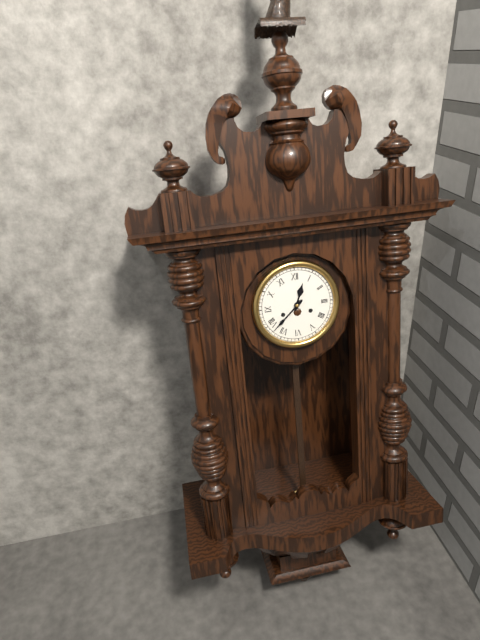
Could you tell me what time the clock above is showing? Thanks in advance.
12:38
